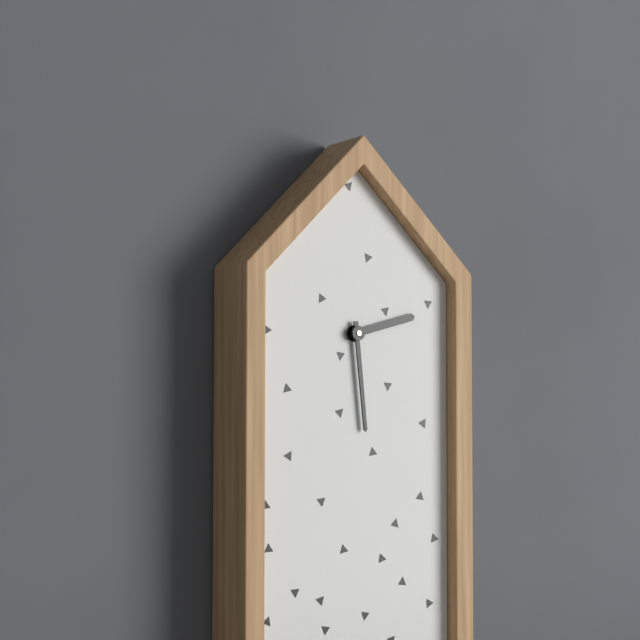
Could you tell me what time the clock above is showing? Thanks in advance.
2:29
